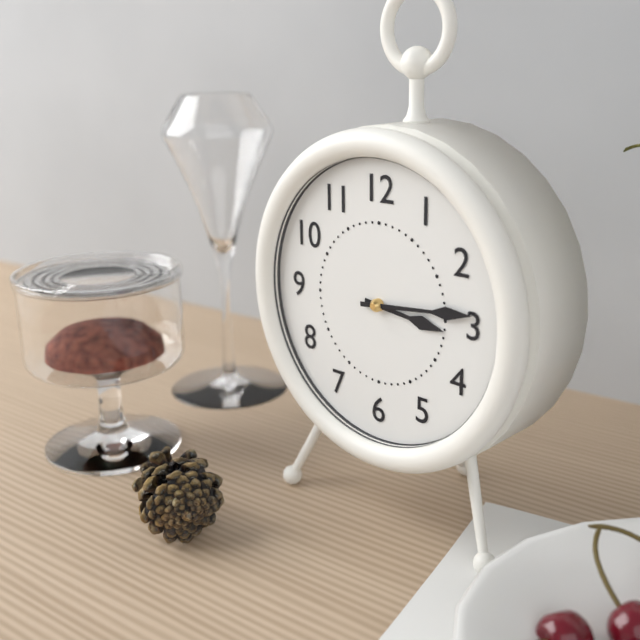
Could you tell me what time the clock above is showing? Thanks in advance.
3:14
